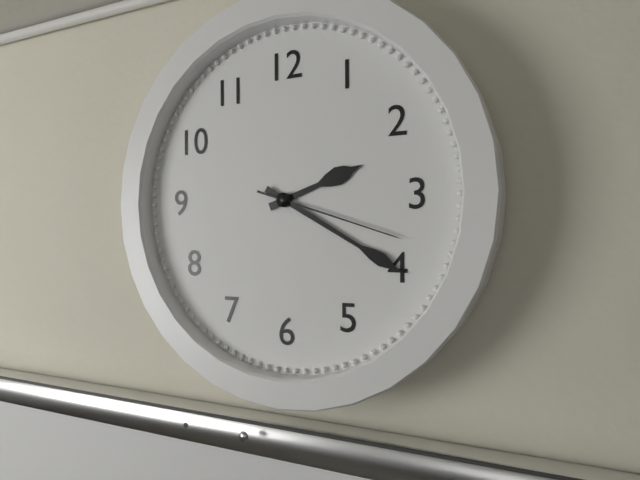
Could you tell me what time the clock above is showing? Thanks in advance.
2:20:18
